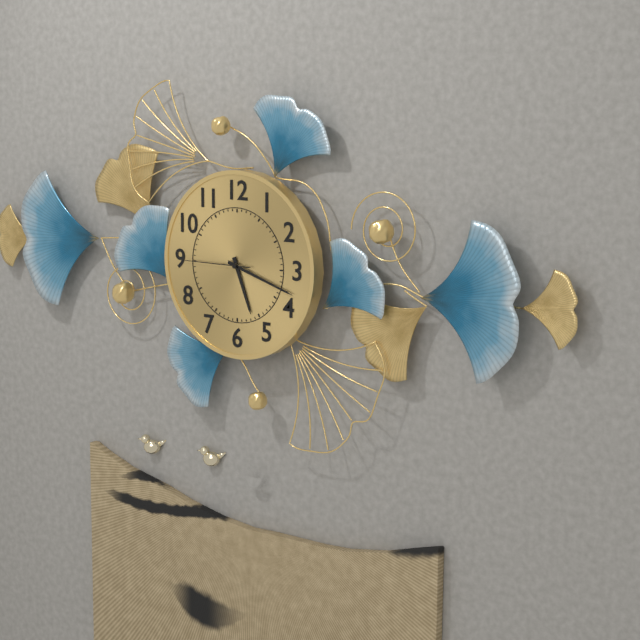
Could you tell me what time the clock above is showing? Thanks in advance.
5:18:45
